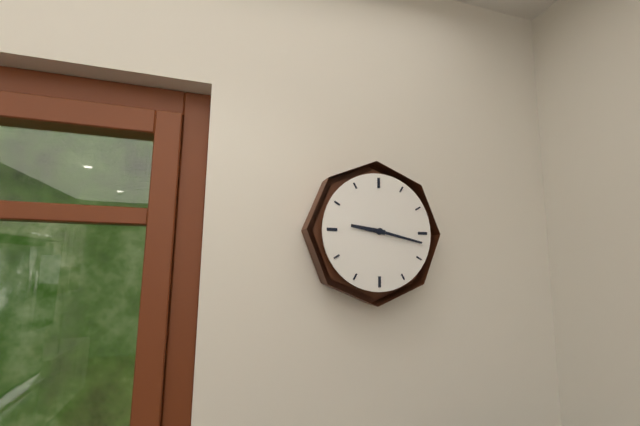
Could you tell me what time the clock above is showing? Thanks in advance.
9:17
